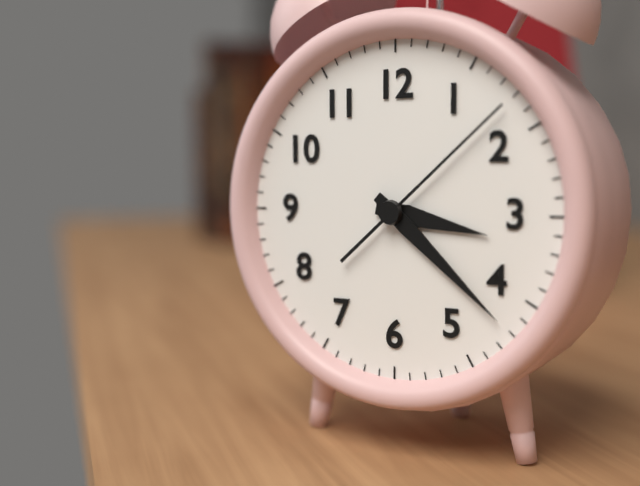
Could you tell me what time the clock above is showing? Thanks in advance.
3:22:08
